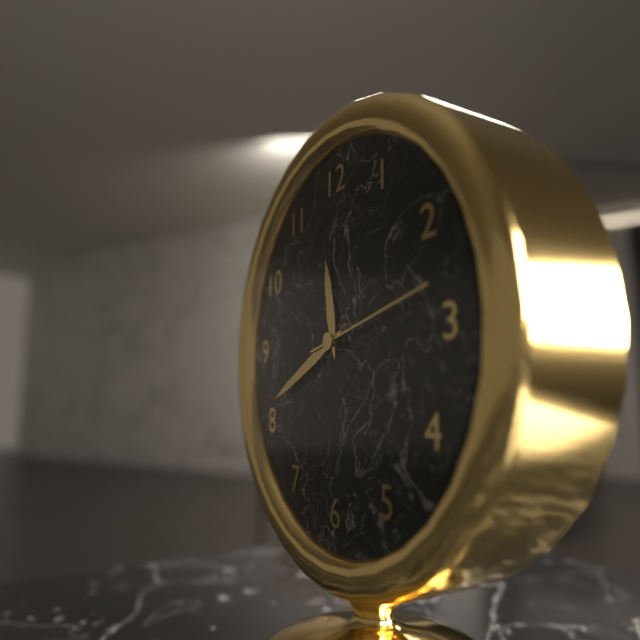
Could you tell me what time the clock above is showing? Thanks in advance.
11:41:13
